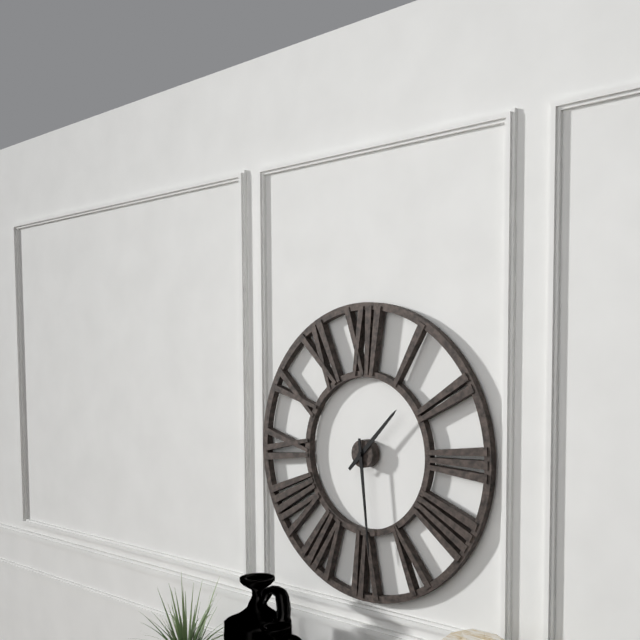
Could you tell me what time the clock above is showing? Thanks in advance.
1:29
